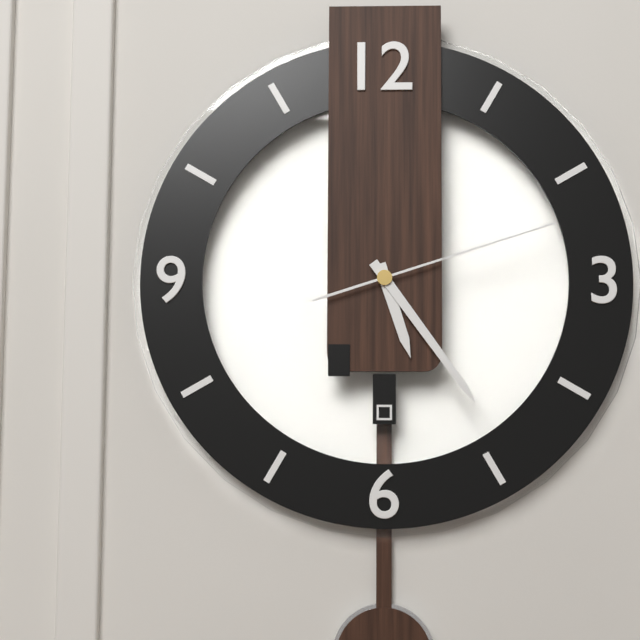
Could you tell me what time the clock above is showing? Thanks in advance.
5:24:12
